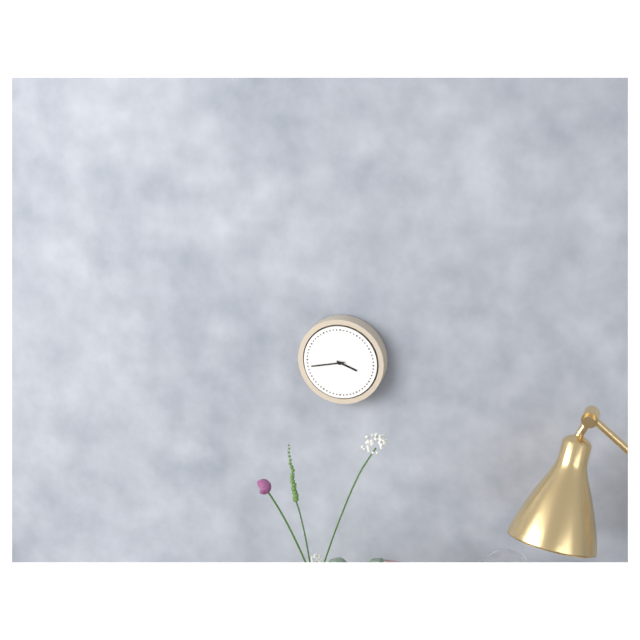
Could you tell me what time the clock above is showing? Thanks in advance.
3:43
